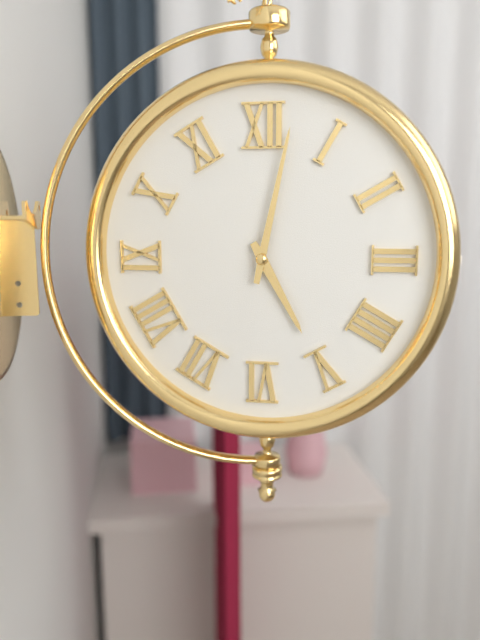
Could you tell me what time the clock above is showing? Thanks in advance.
5:02
